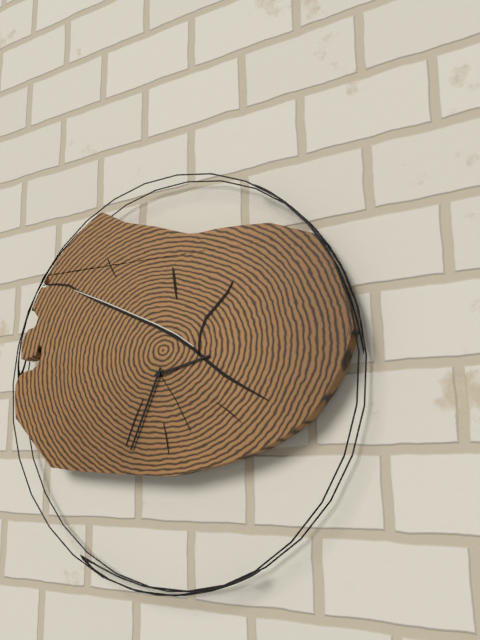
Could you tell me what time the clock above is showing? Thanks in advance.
2:34
